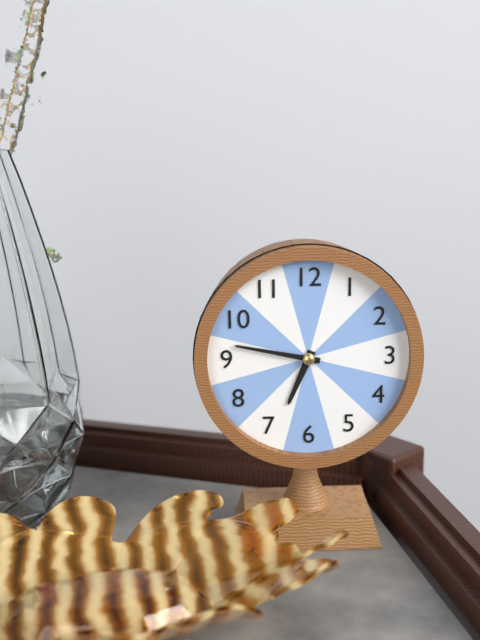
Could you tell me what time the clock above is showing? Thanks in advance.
6:47
